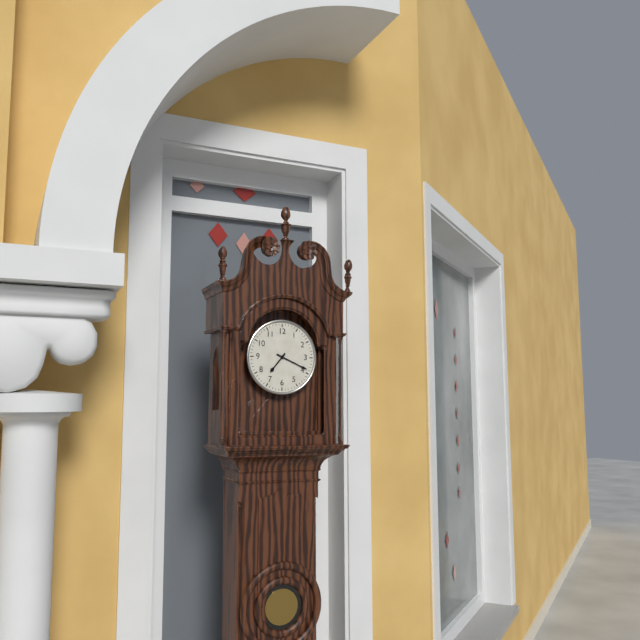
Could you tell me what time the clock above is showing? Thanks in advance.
7:19
